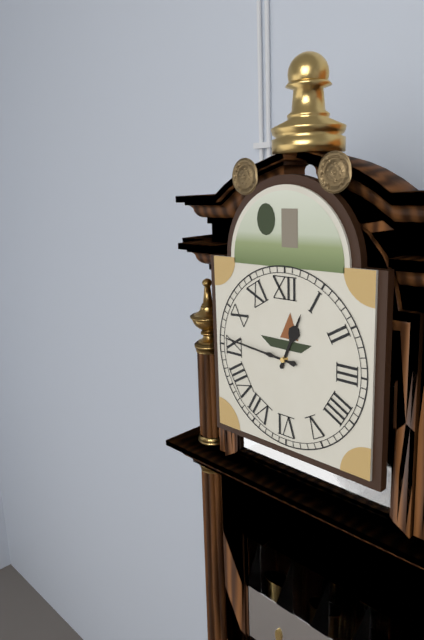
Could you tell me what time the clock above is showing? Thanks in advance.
12:46
